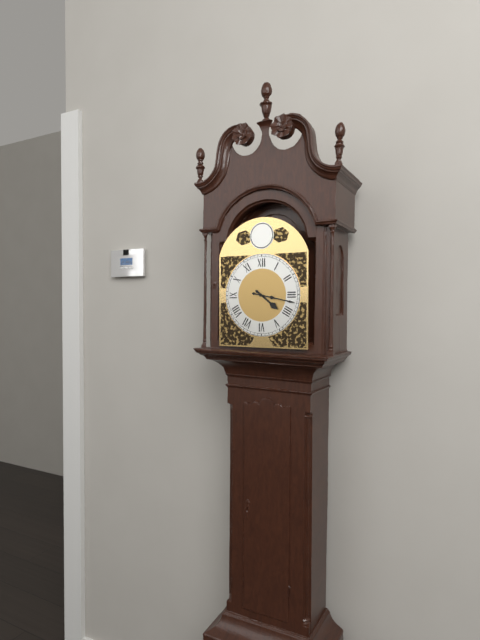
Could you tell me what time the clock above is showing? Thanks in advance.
4:17
